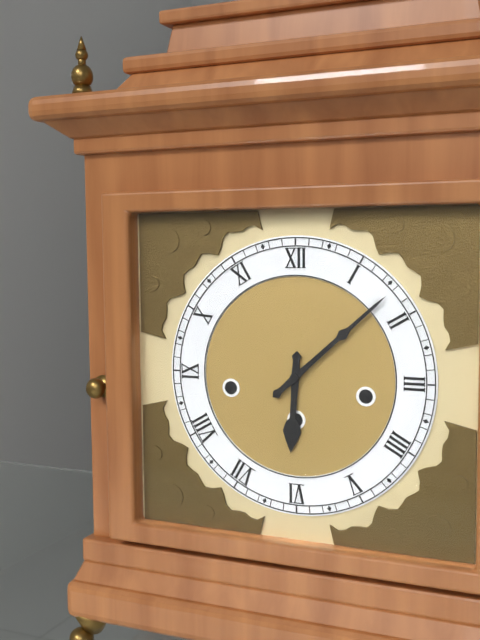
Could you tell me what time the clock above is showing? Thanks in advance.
6:08
